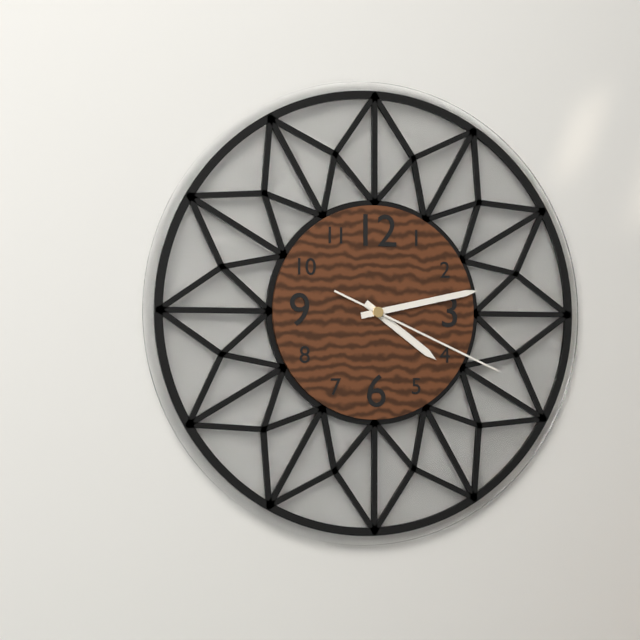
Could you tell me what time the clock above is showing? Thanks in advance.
4:13:19
